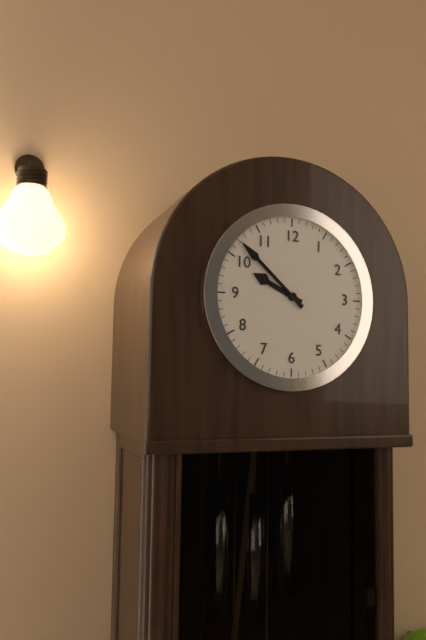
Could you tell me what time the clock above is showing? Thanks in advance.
9:52
